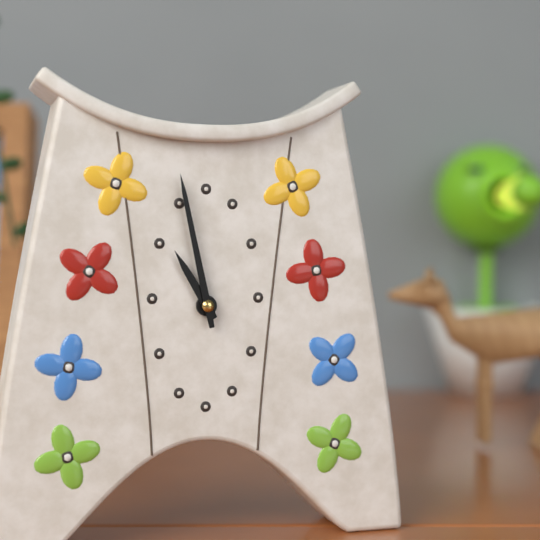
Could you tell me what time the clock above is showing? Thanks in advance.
10:58
